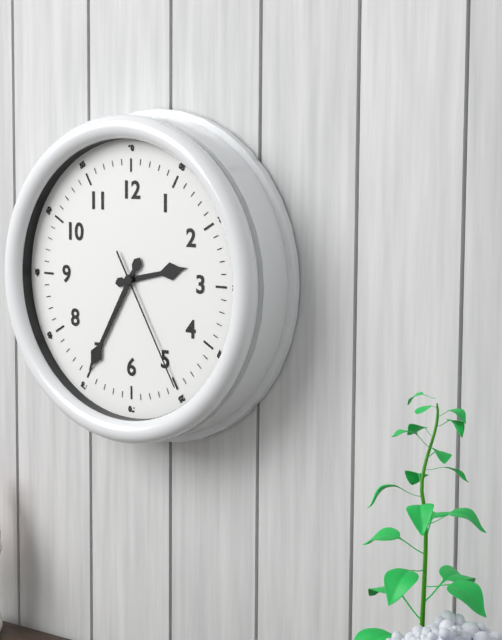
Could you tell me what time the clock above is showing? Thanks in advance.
2:35:25
